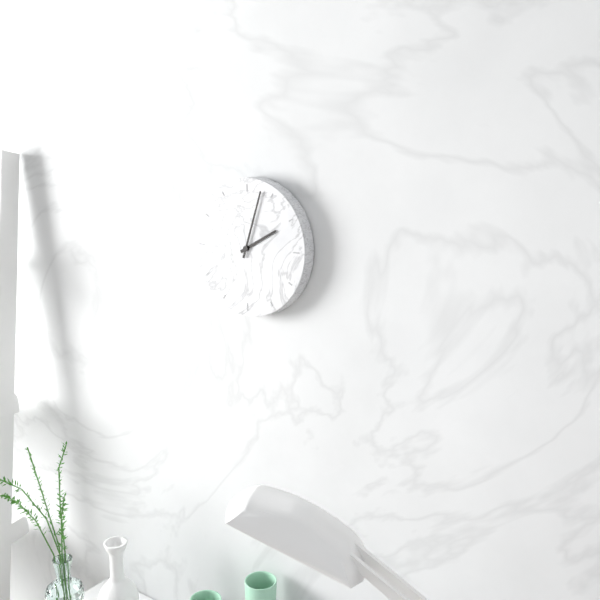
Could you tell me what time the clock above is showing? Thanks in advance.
2:03
